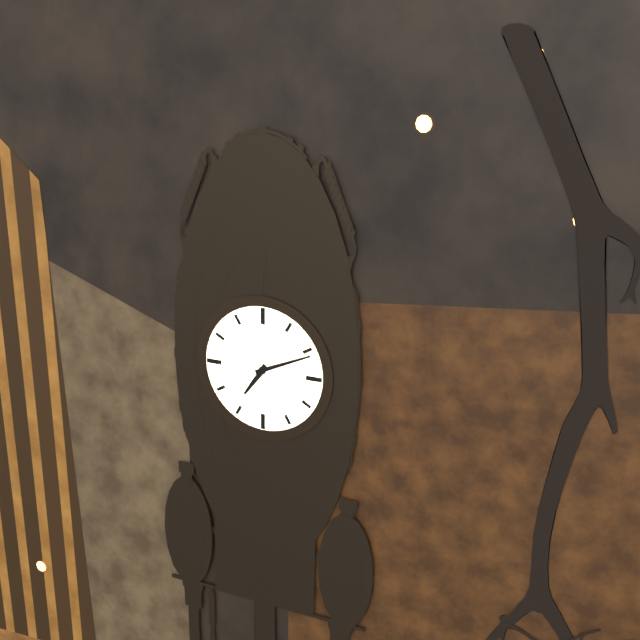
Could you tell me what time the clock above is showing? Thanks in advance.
7:11
